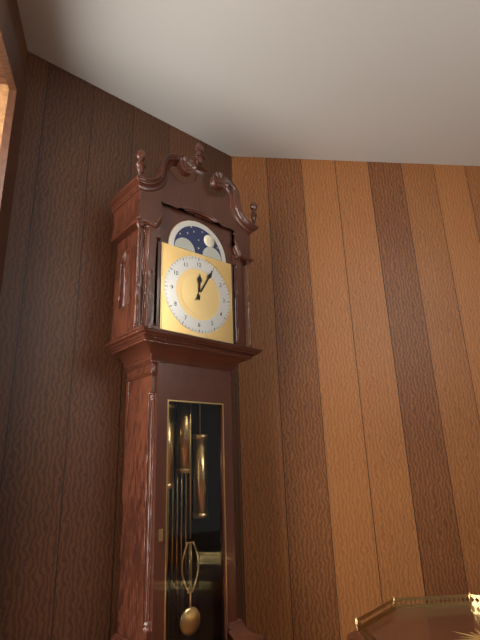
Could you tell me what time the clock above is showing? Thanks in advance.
12:05
